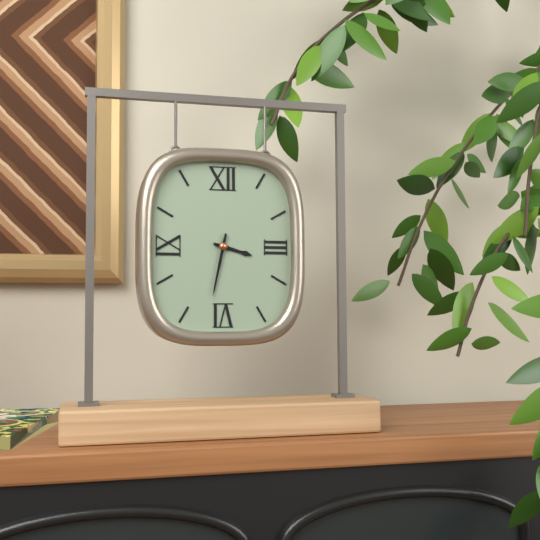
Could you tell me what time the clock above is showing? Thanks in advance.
3:32
